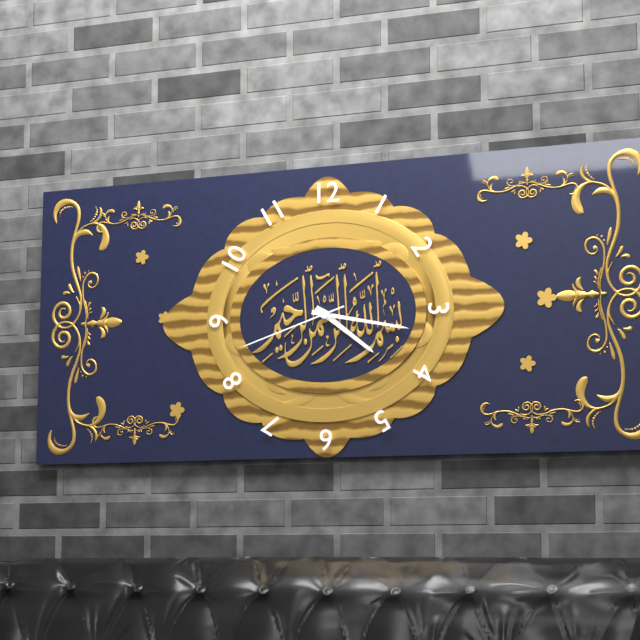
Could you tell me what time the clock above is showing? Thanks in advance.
4:17:42
